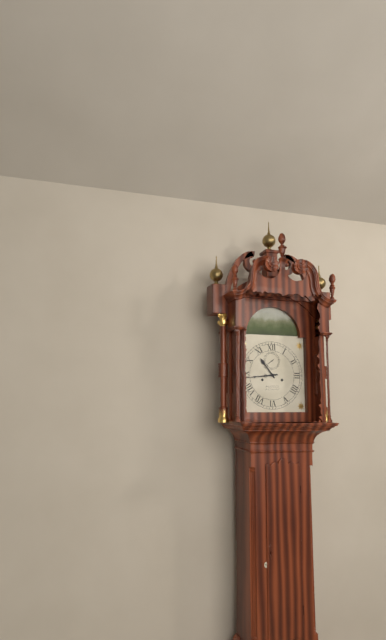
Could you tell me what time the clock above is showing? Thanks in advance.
10:44
